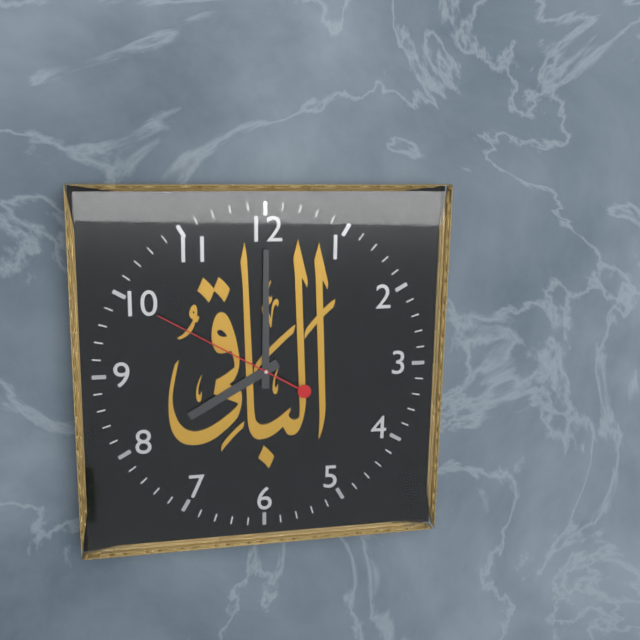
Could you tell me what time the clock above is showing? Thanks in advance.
8:00:50
